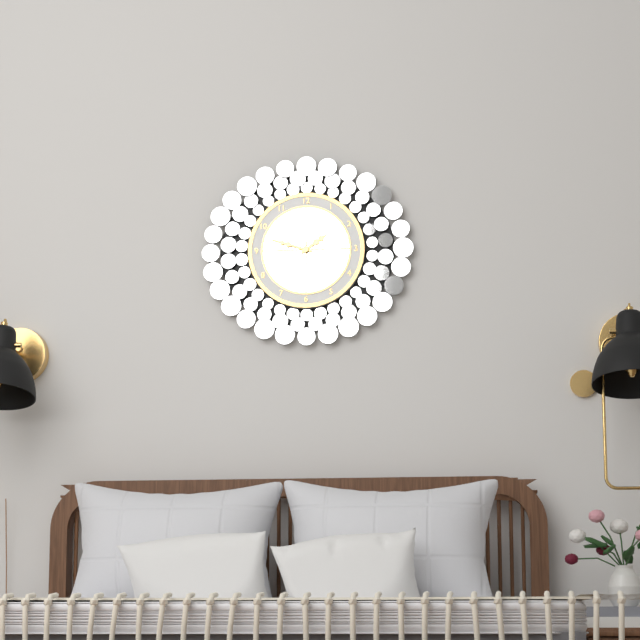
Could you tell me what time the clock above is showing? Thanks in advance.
1:48
